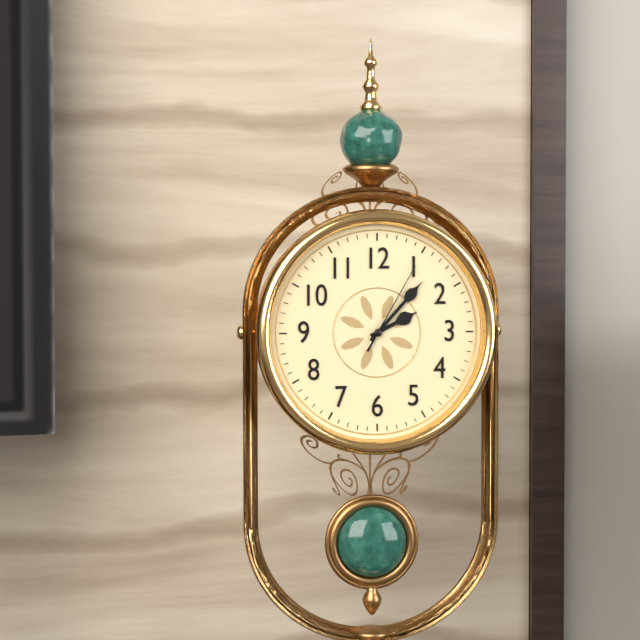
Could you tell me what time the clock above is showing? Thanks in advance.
2:07:05
